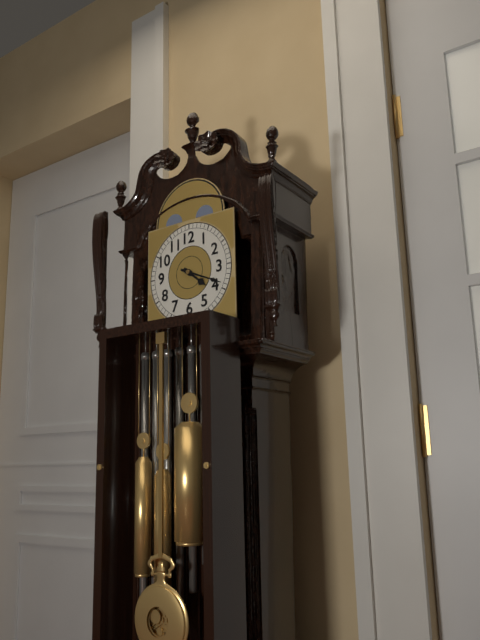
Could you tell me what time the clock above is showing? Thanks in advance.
4:19
